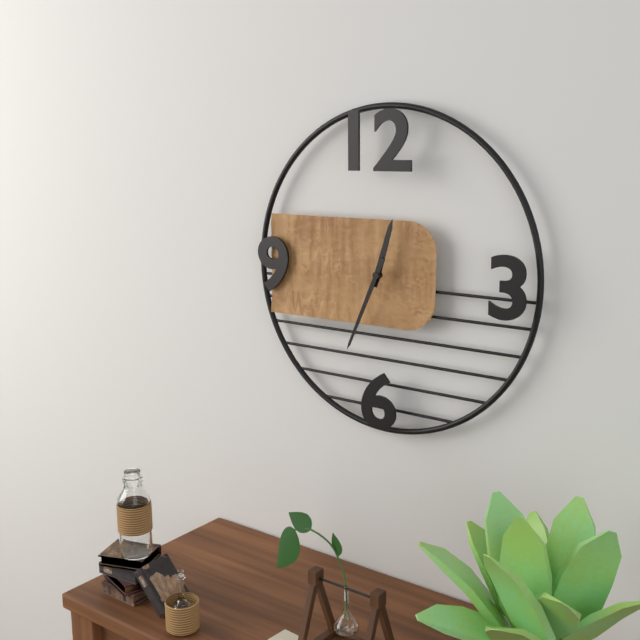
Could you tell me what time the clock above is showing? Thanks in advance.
12:34
